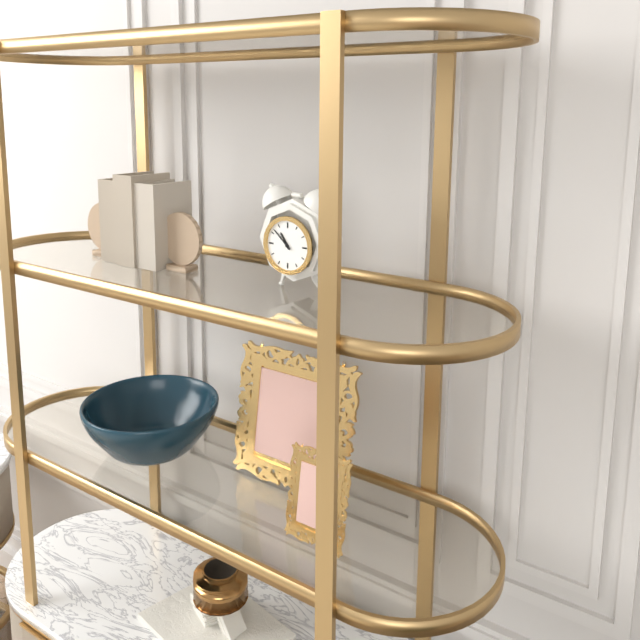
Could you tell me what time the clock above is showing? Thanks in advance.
10:52
